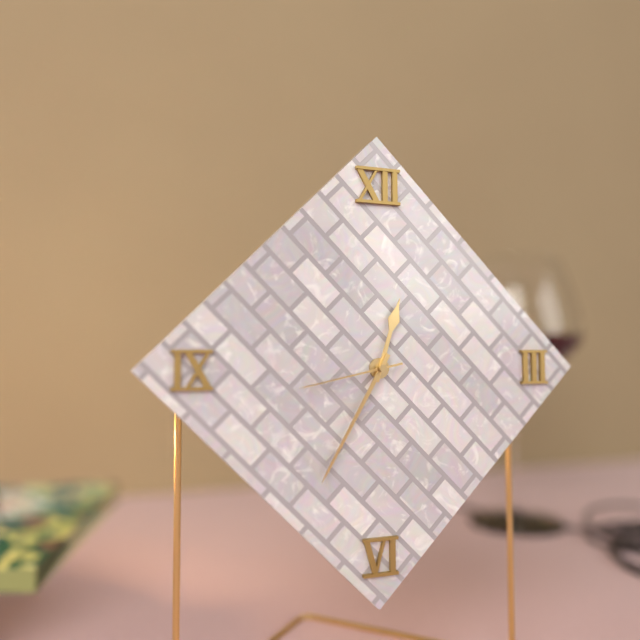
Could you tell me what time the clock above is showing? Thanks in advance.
12:35:43
